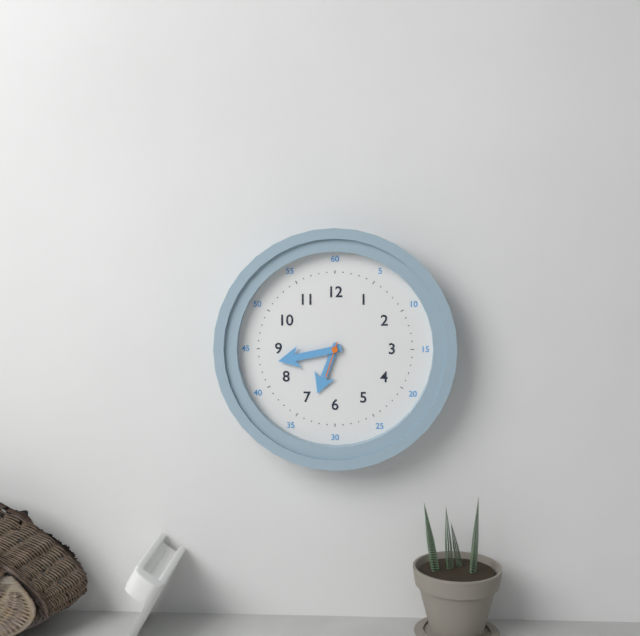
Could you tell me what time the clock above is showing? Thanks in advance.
6:43
